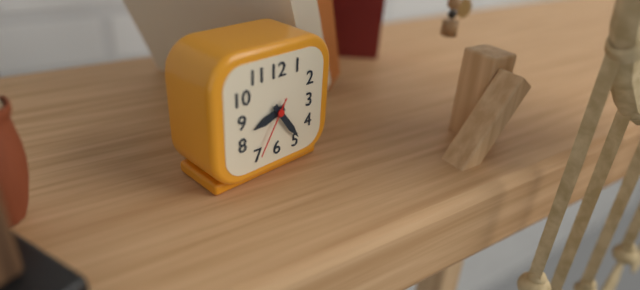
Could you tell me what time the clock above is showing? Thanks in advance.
8:24:35
